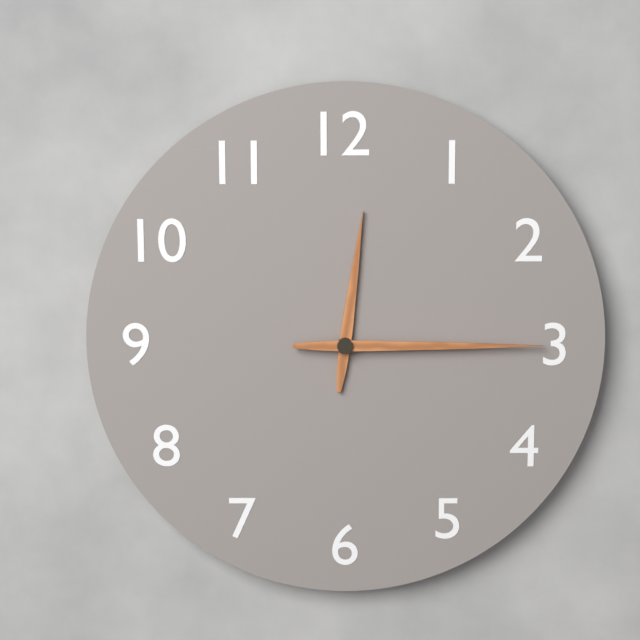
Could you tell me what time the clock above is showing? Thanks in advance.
12:15
